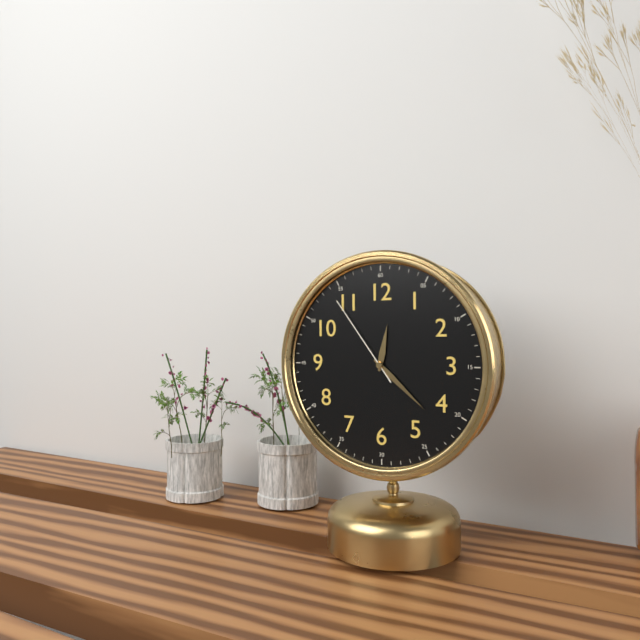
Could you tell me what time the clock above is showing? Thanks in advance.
12:22:54
